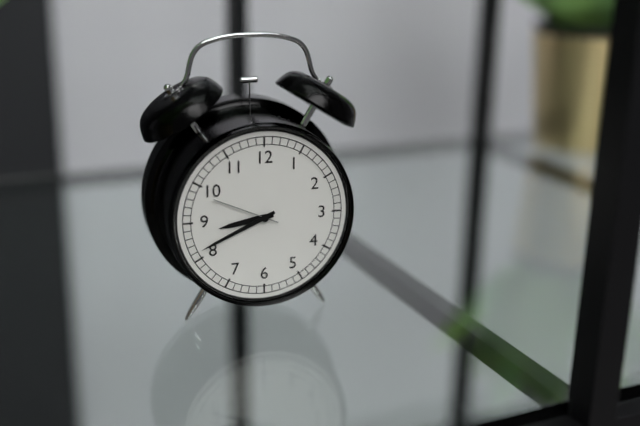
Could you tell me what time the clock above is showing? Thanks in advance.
8:41:49
